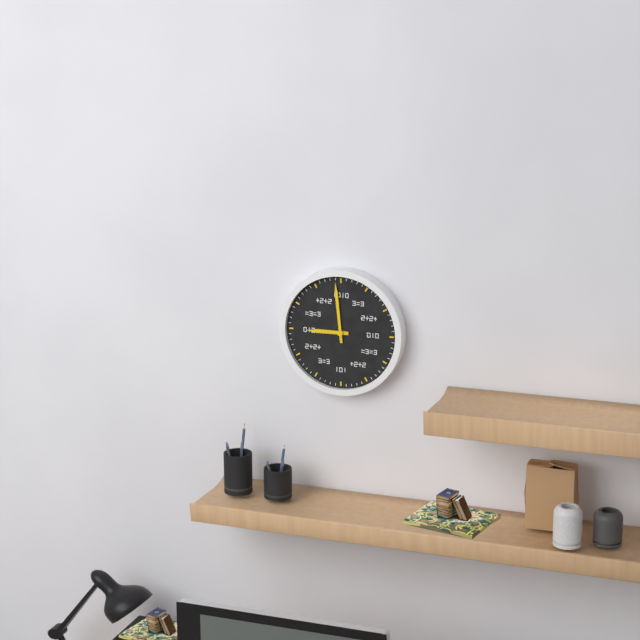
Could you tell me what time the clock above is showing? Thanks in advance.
8:59
